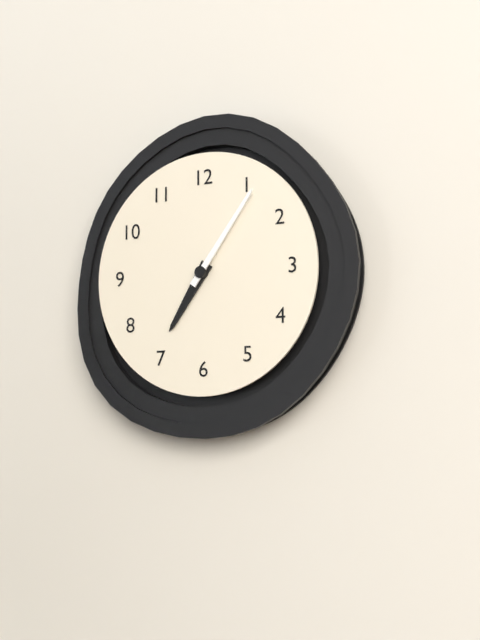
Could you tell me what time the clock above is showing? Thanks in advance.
7:06
